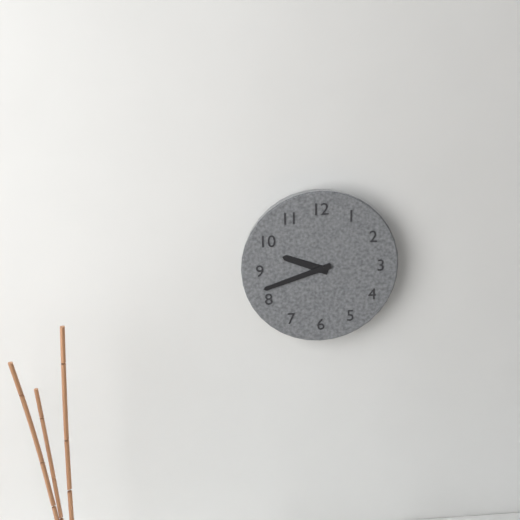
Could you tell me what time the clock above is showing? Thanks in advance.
9:42
